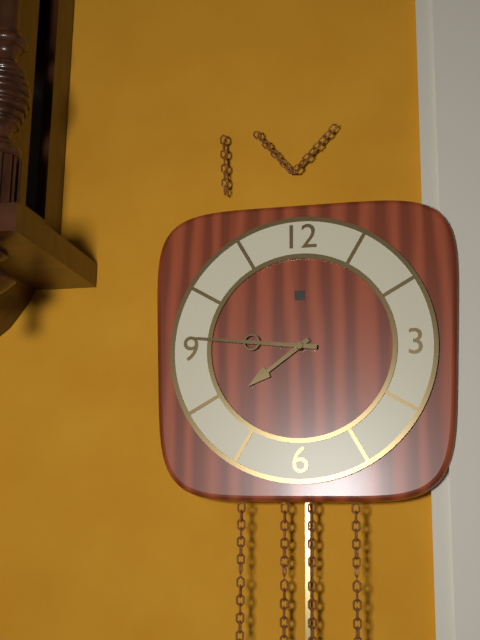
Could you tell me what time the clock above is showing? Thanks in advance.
7:46
